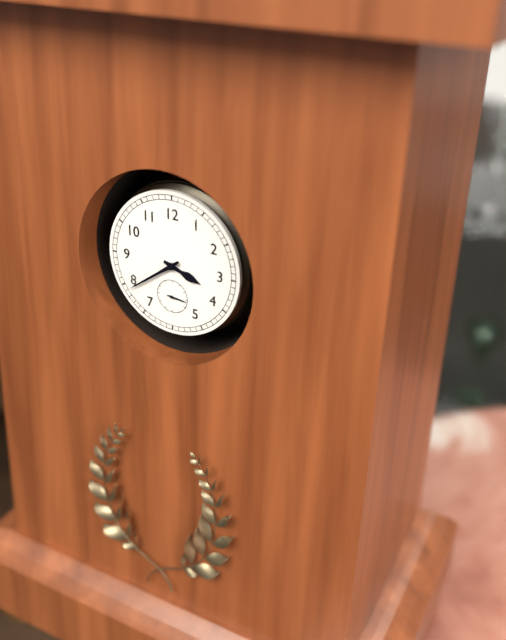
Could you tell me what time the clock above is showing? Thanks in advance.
3:39
